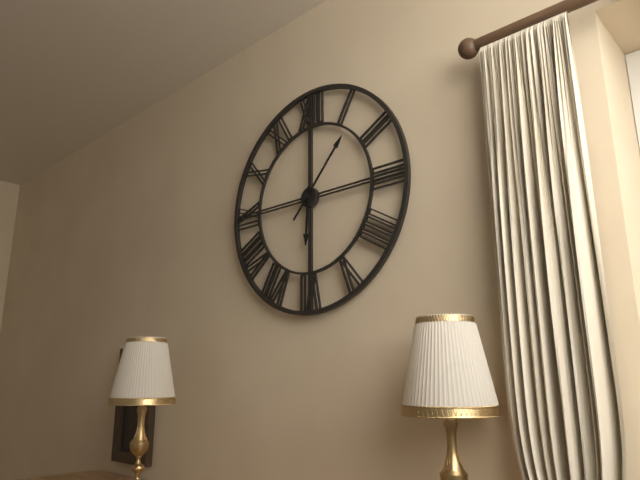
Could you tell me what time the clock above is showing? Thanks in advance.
6:07
